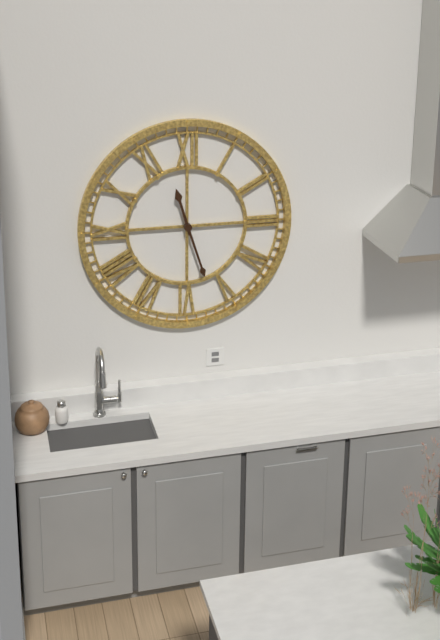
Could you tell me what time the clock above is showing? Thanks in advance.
11:27
